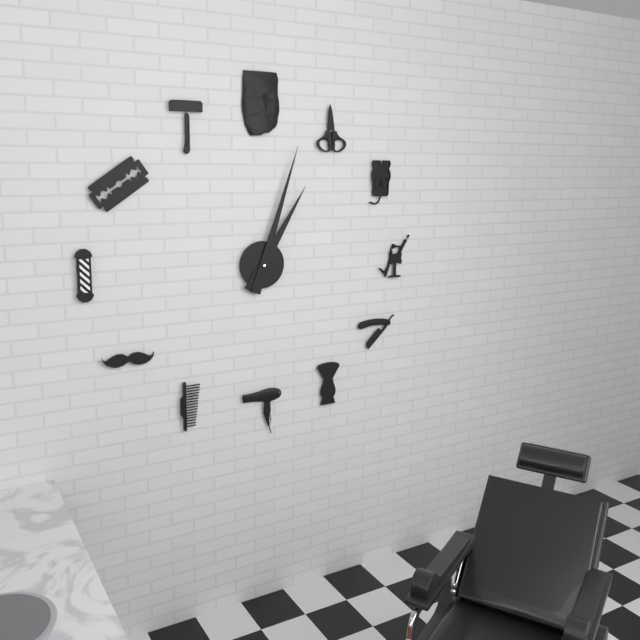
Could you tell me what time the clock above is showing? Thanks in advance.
1:03
